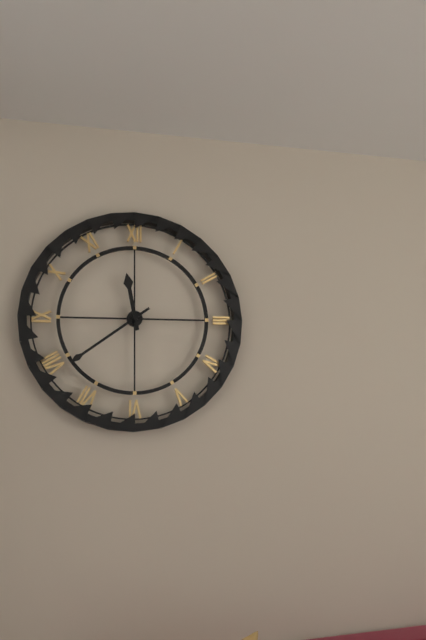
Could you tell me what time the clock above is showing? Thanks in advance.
11:39
